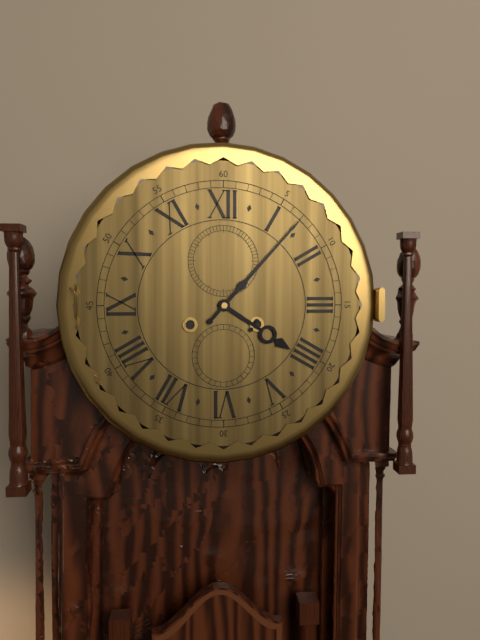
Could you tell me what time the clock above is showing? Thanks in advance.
4:07
